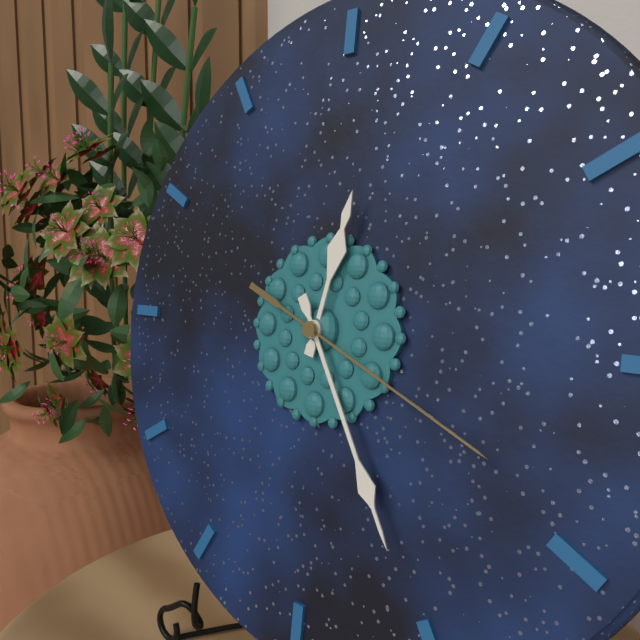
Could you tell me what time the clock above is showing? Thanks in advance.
12:25:19
